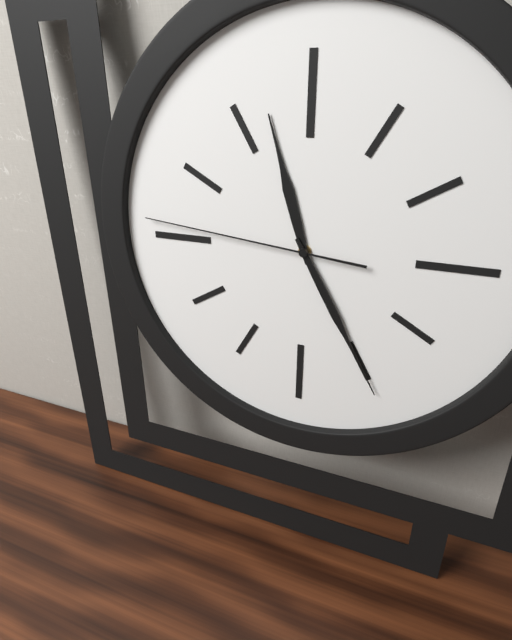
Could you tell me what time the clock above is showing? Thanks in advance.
11:25:46
